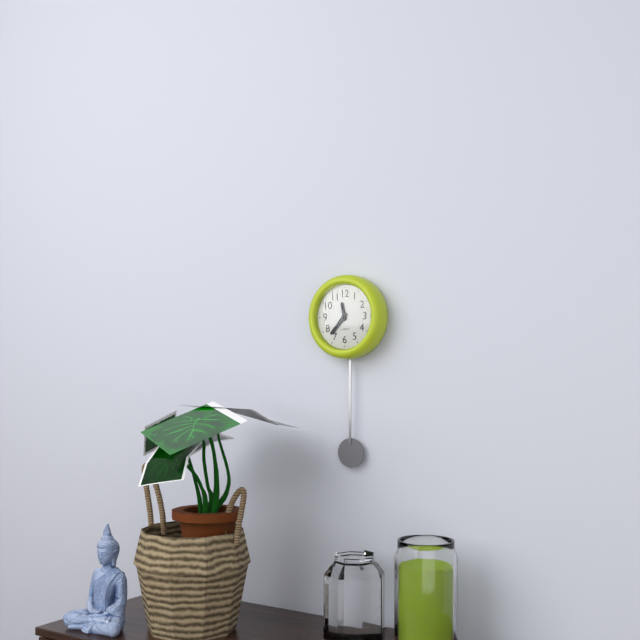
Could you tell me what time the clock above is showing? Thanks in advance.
11:37
